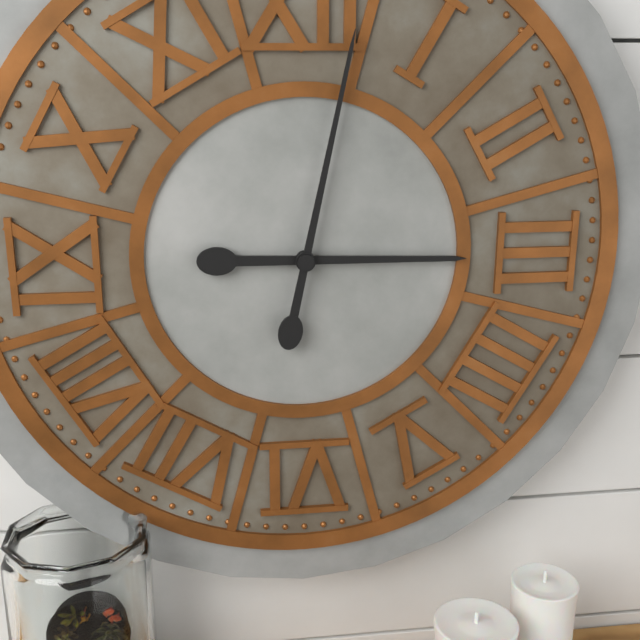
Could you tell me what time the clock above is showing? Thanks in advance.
3:02
